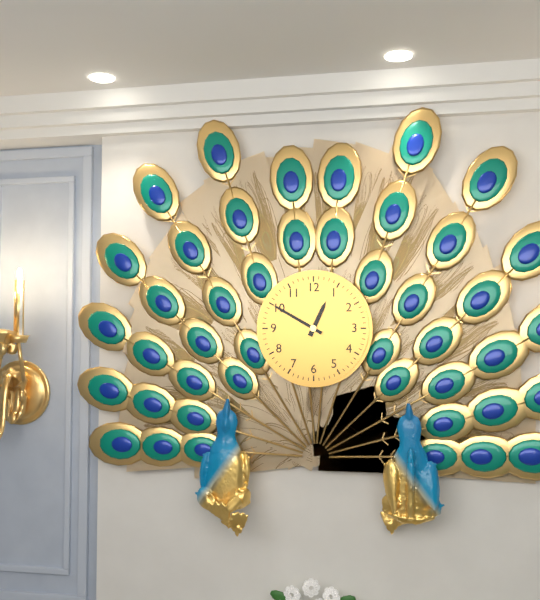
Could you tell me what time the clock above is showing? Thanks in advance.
12:50
